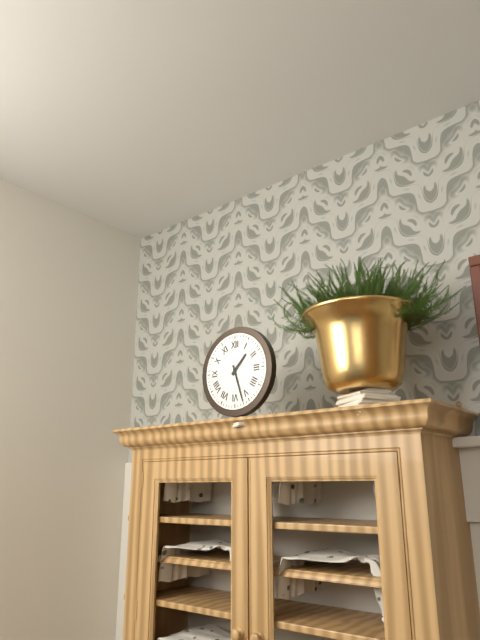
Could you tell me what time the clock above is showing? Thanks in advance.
1:27
